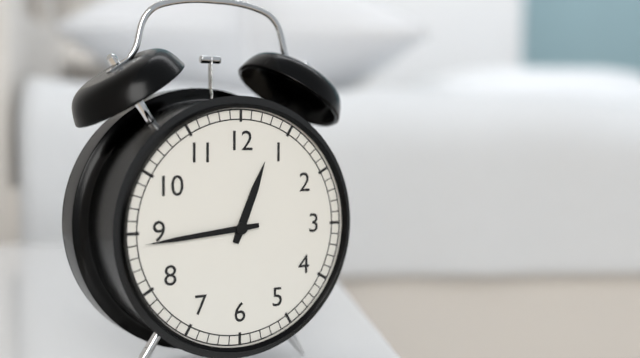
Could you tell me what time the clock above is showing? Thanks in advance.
12:44
